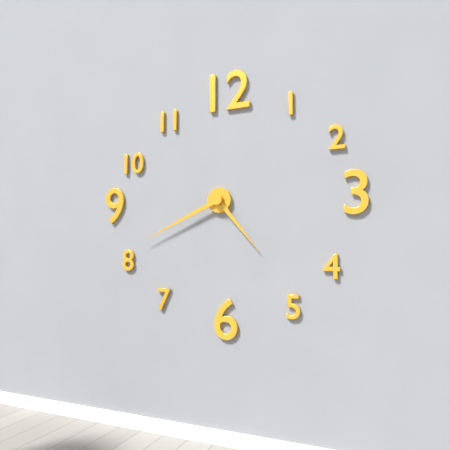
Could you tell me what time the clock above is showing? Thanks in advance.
4:41
